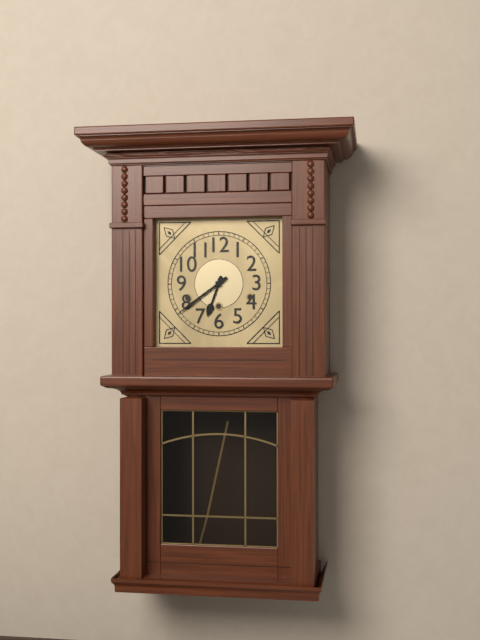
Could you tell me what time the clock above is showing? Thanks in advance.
6:39
